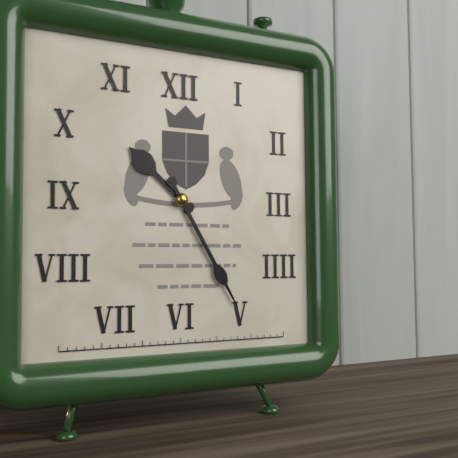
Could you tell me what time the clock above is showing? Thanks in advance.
10:25
